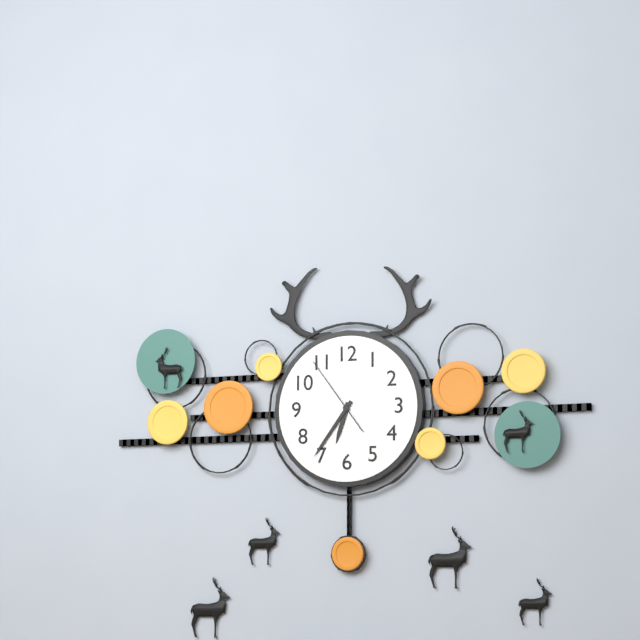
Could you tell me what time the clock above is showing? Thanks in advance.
6:36:54
